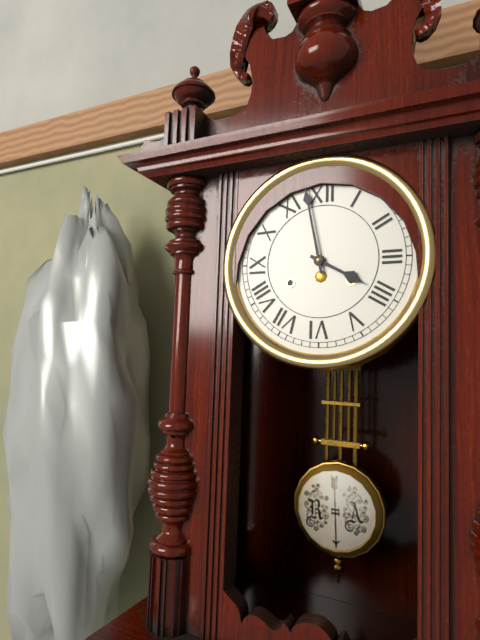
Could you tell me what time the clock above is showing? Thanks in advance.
3:58
